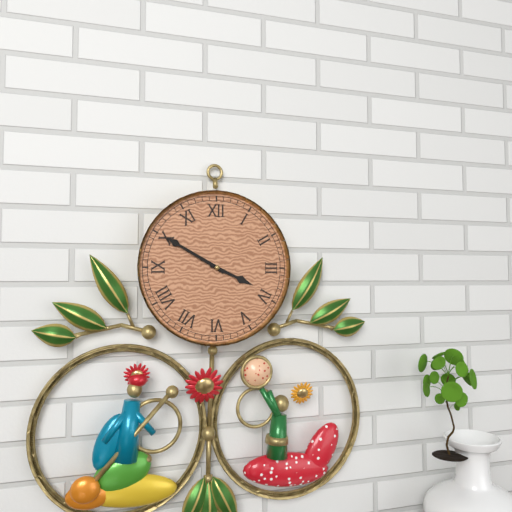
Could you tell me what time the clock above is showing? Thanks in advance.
3:50
